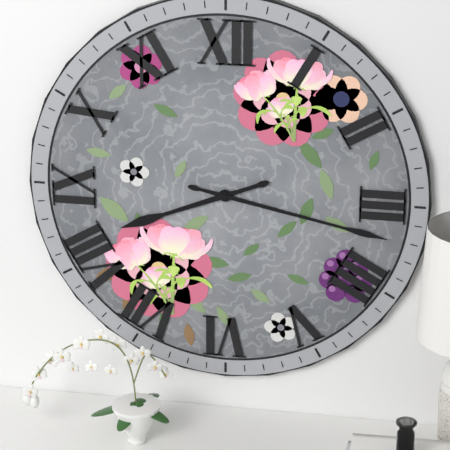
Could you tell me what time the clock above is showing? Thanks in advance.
8:17
